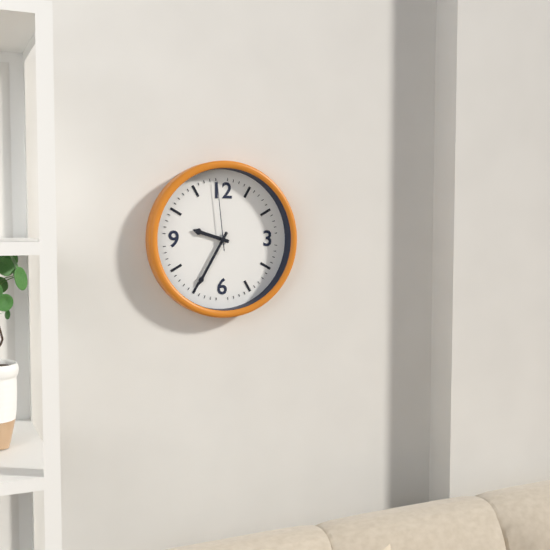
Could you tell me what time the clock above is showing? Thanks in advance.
9:35:59
